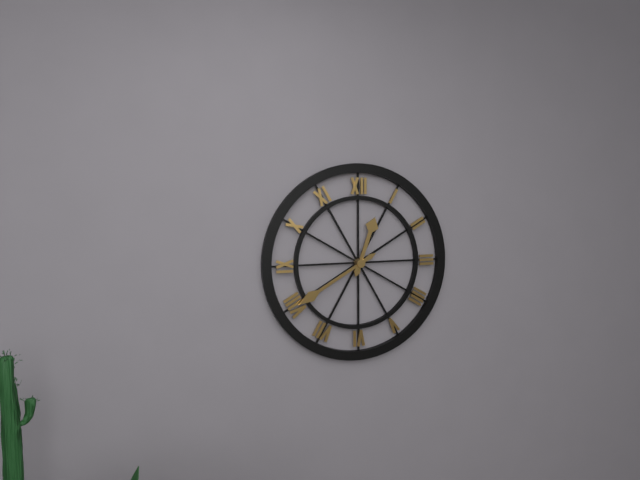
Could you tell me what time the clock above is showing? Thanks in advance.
12:40
